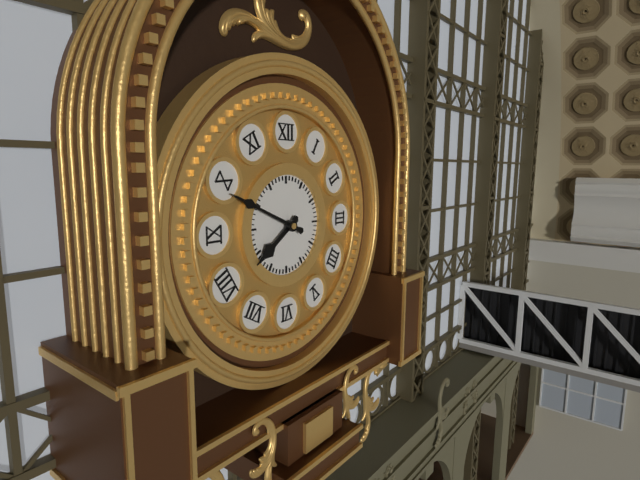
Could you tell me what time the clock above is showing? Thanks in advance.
7:49
